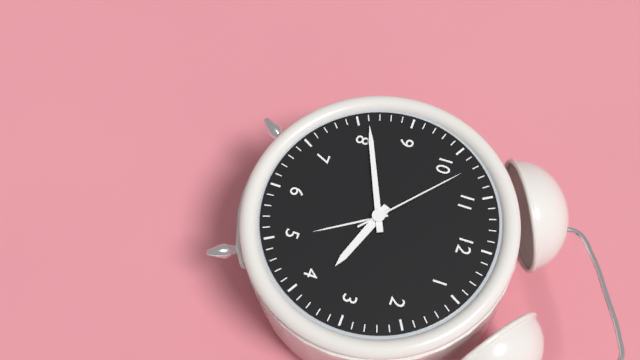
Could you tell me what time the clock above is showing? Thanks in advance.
3:41:52
